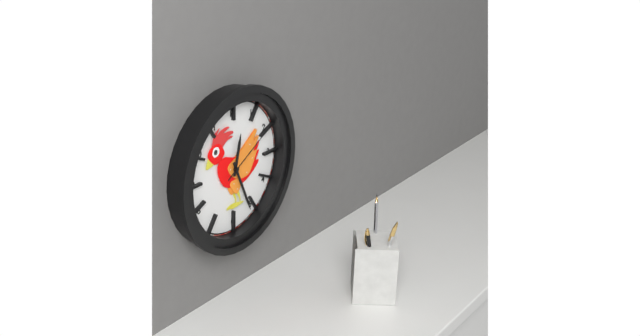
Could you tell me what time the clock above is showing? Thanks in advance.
12:26:10
